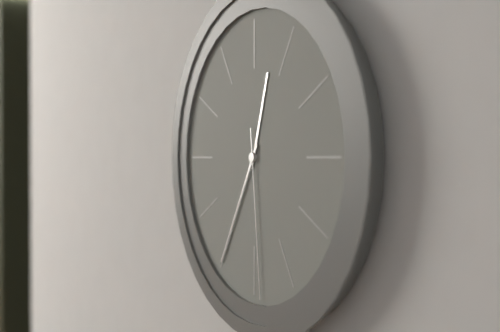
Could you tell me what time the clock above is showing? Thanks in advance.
12:35:29
